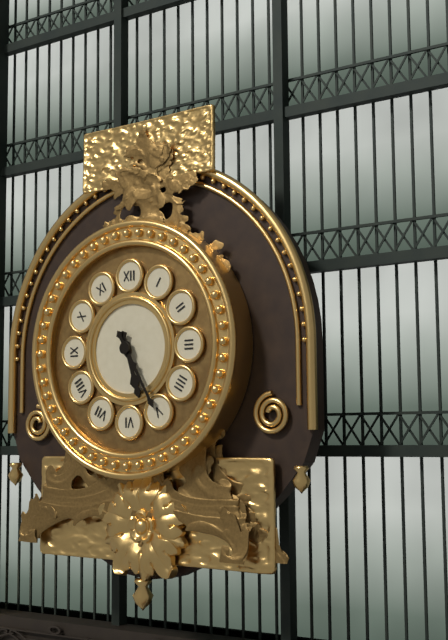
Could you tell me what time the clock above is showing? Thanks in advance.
5:25
